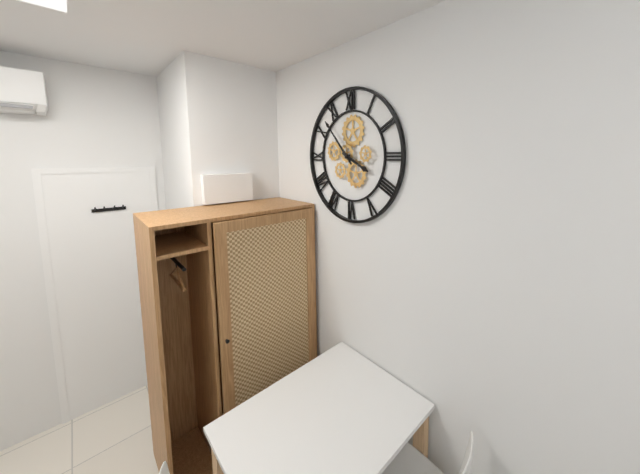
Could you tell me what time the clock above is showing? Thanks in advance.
3:53
